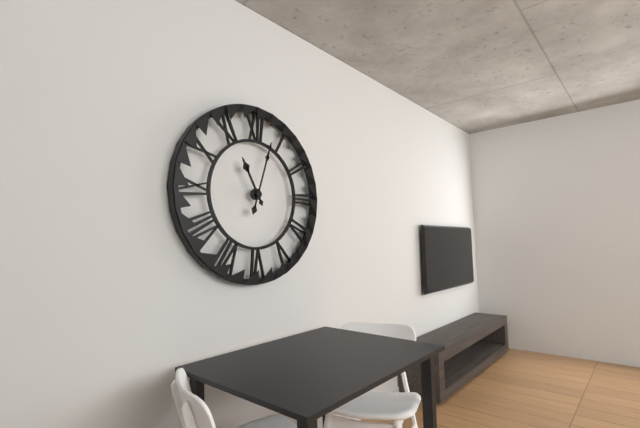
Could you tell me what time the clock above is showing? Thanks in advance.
11:03
